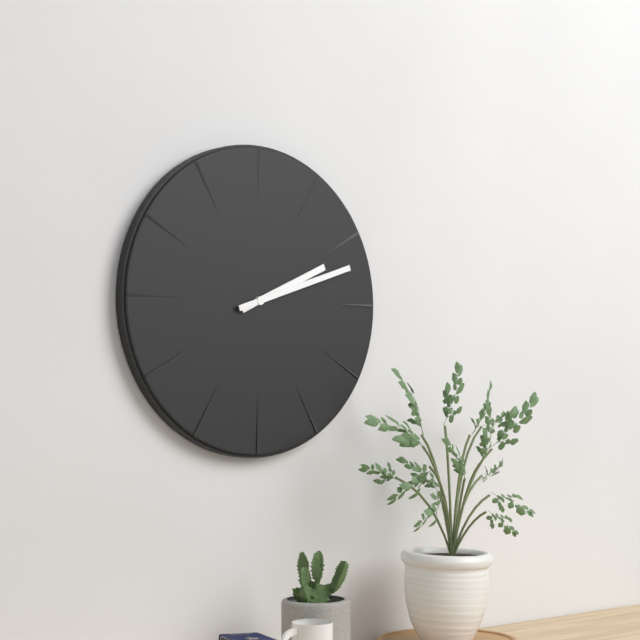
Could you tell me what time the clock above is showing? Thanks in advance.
2:12
